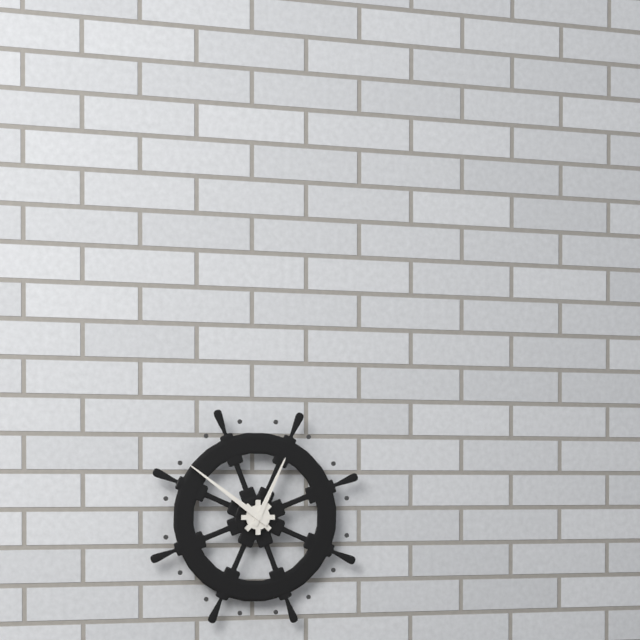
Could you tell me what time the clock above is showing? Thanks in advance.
12:51
